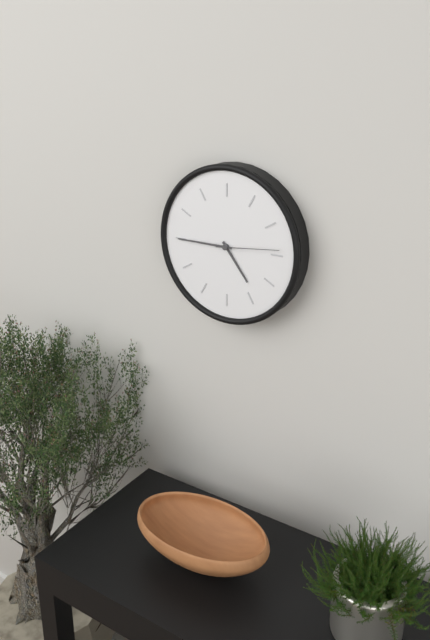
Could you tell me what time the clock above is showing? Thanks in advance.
4:45:14
